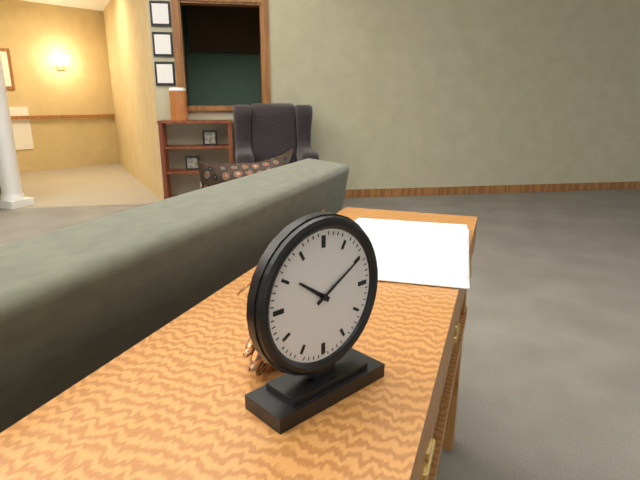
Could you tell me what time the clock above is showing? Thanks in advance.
10:10
